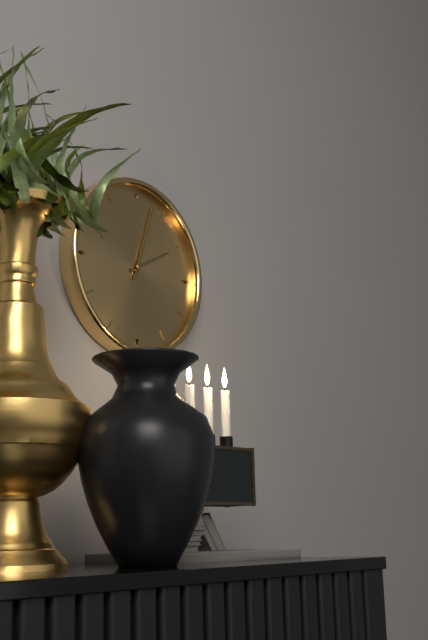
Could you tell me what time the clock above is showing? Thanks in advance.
2:03
